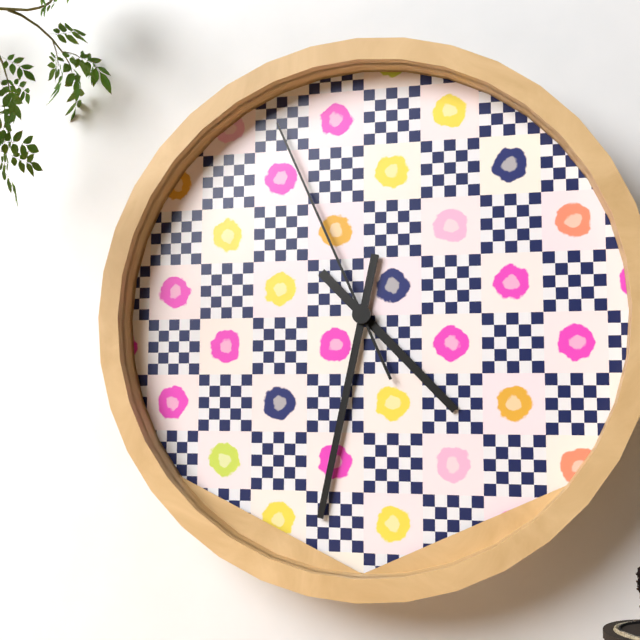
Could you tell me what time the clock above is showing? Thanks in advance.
4:32:56
